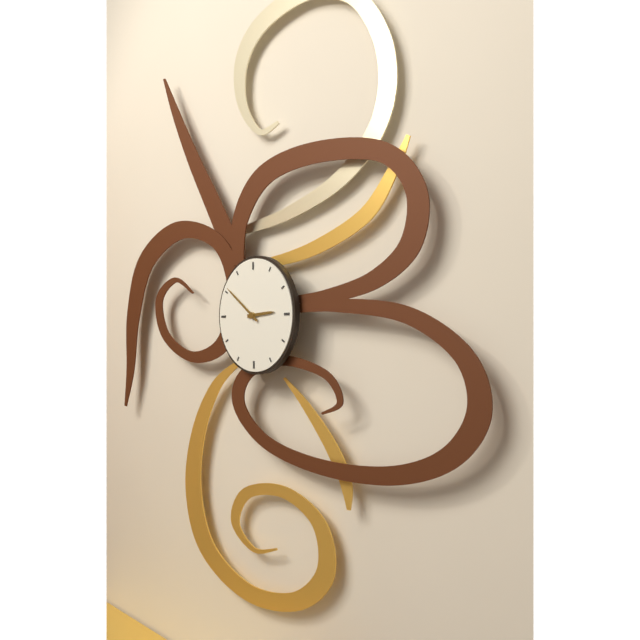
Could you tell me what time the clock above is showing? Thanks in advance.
2:51
